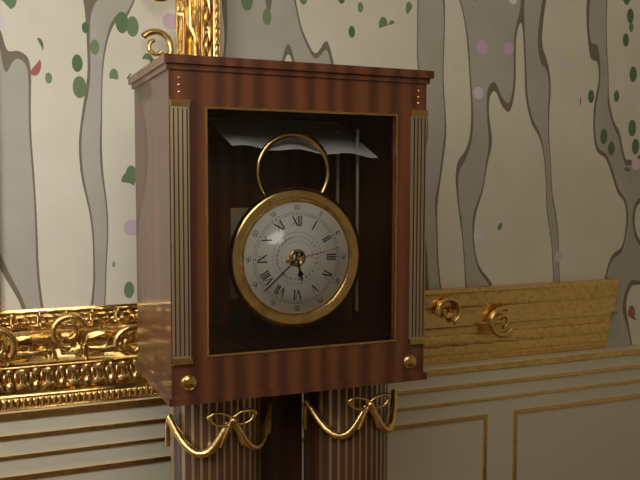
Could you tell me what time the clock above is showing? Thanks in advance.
5:38:13
